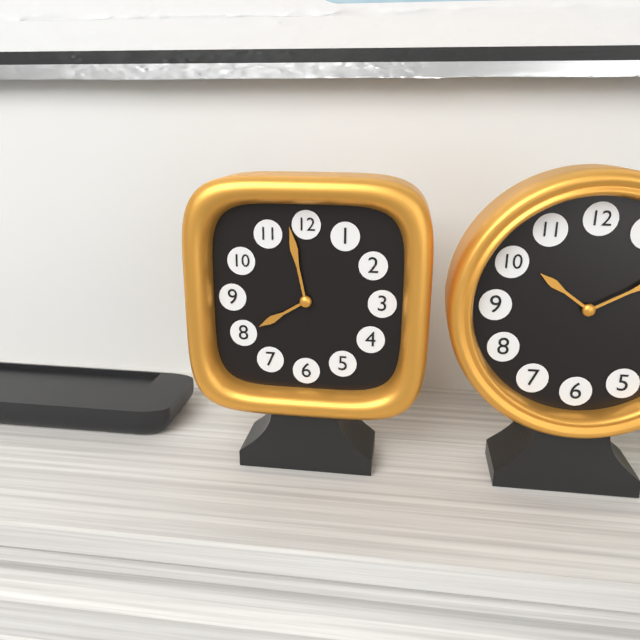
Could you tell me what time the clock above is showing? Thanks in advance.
7:58
